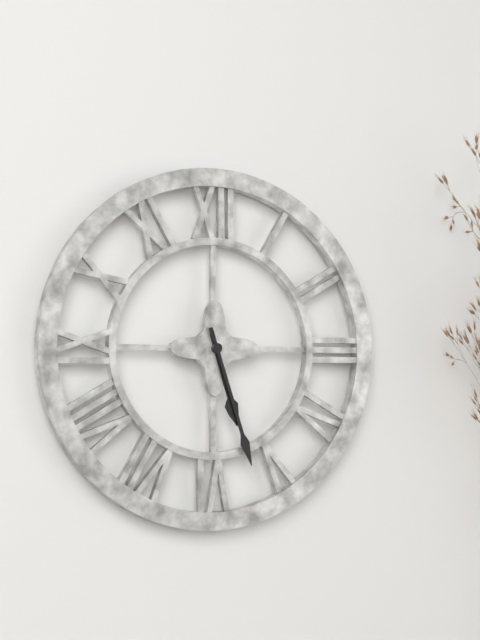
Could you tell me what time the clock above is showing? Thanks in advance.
5:27
